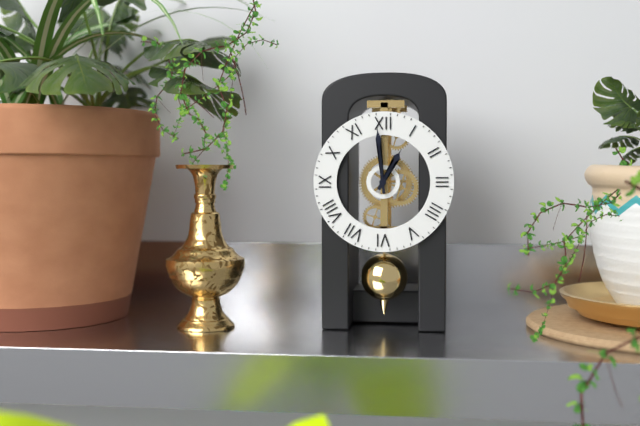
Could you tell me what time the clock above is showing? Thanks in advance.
12:59
